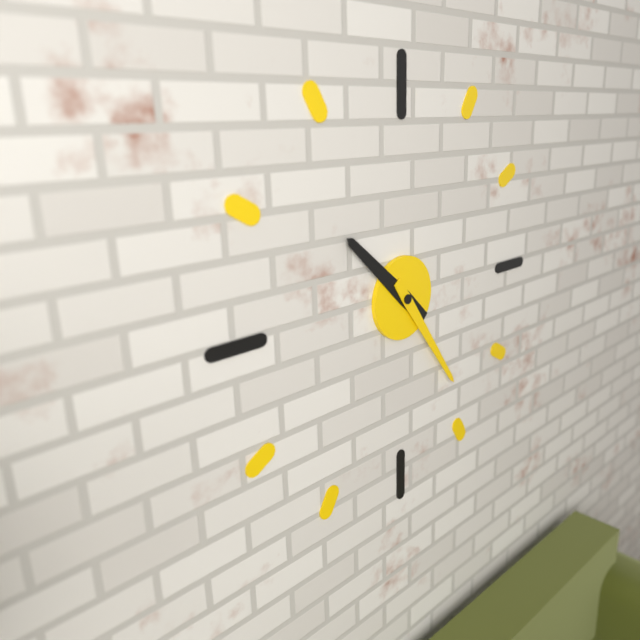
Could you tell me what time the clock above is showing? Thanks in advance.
10:24
